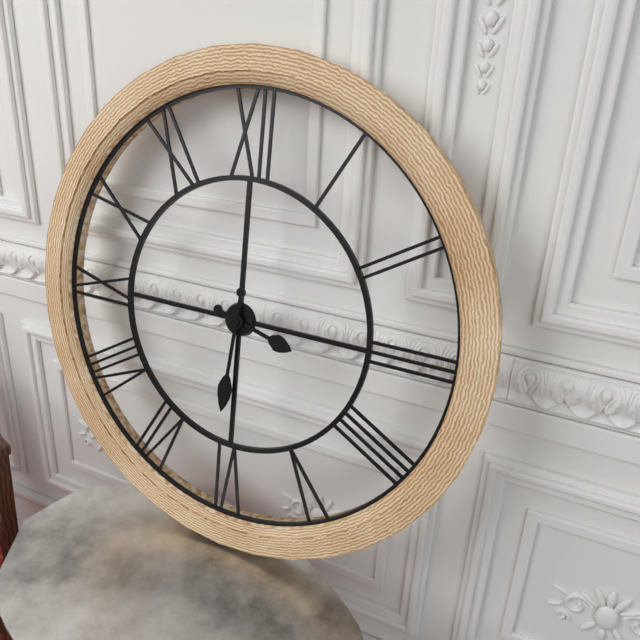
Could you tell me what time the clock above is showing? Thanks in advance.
3:31
